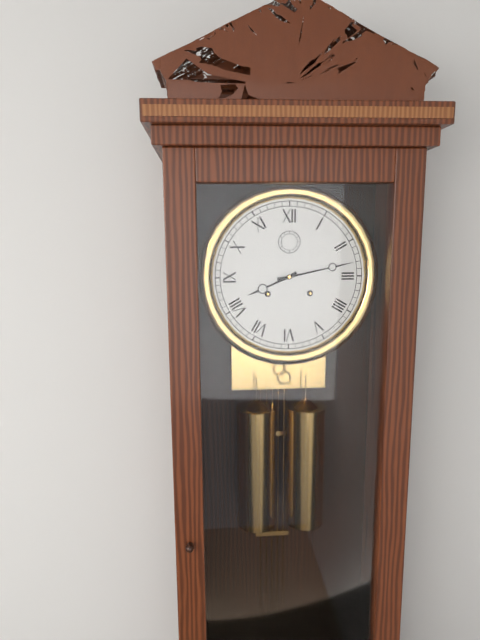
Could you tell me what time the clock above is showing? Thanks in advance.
8:13
